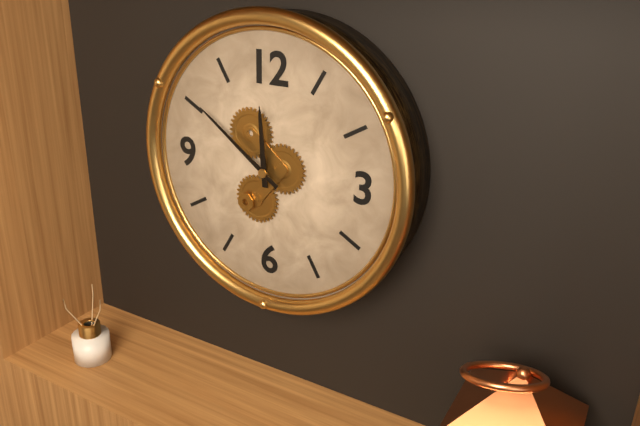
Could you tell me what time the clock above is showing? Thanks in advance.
11:51
